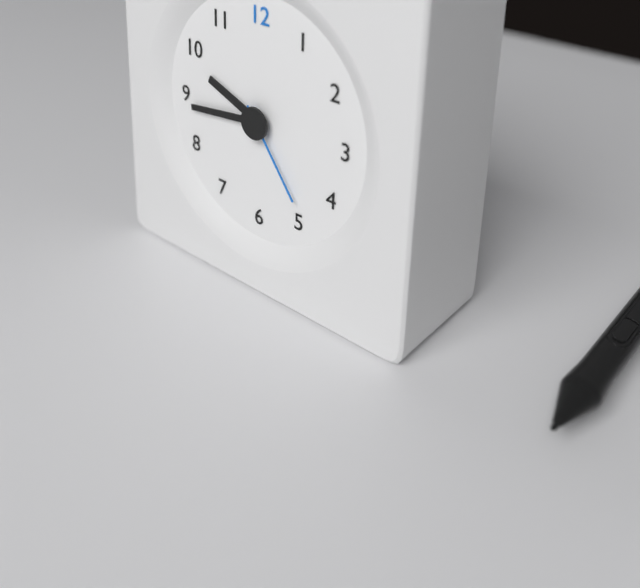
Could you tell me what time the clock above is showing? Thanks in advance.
9:44:24
